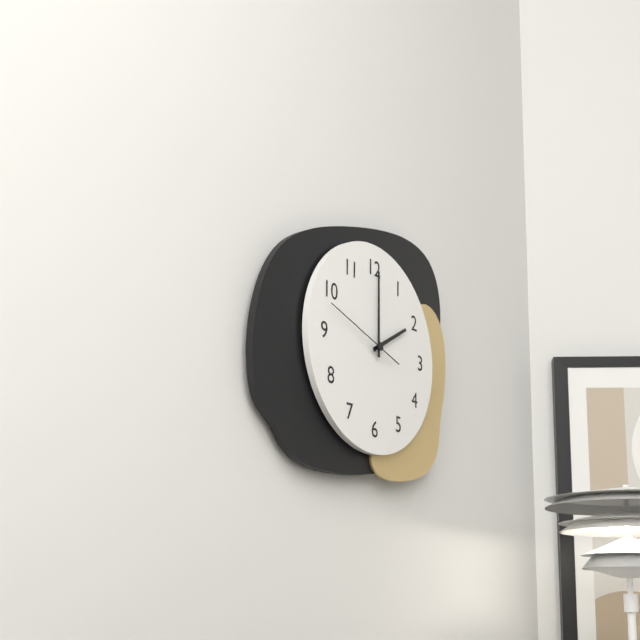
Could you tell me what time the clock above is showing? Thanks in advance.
2:00:48
